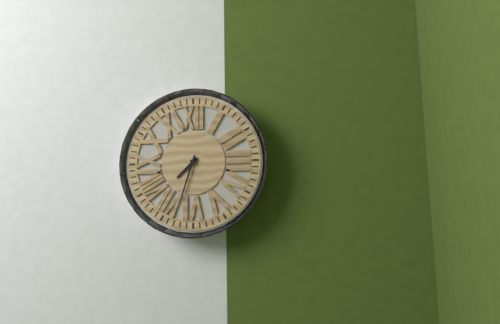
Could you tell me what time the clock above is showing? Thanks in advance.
7:33
